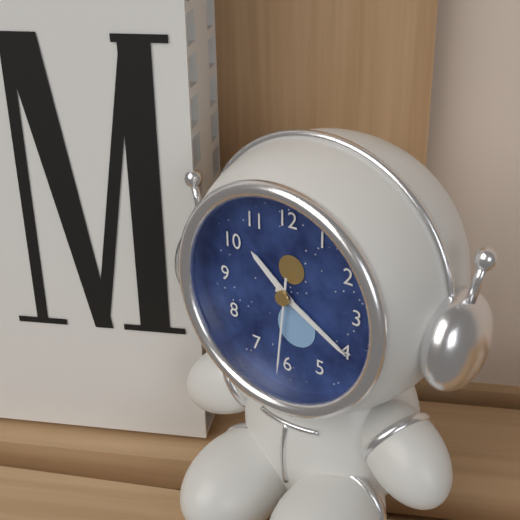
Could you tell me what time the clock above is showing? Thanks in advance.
10:20:31
